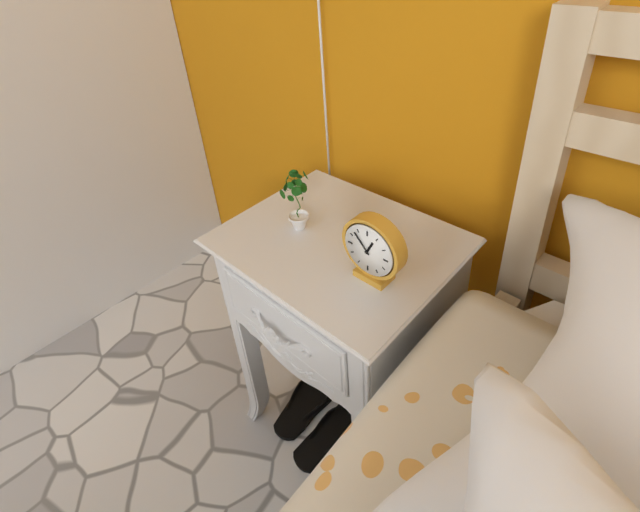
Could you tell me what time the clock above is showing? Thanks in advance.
12:53
